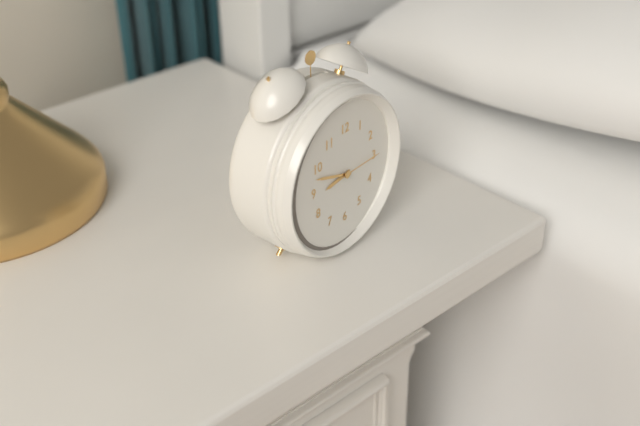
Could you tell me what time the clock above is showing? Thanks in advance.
8:48:15
